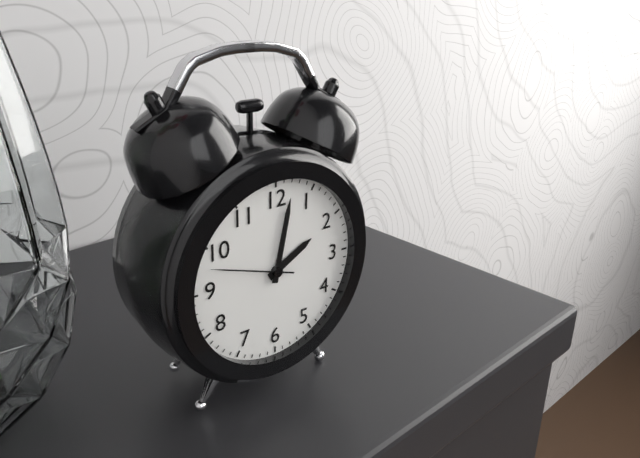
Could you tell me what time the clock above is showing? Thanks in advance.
2:02:48
